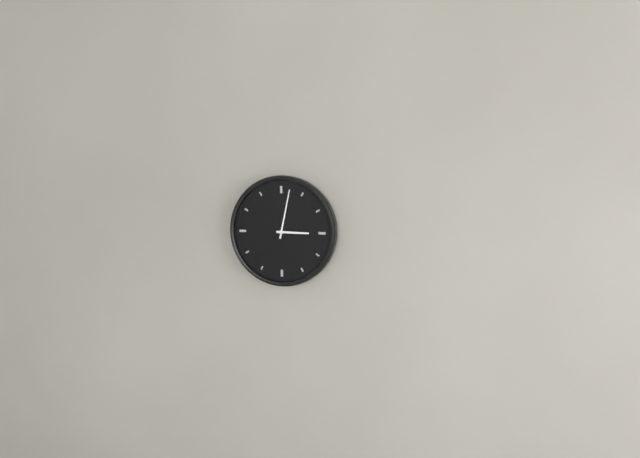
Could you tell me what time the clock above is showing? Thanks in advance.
3:02
